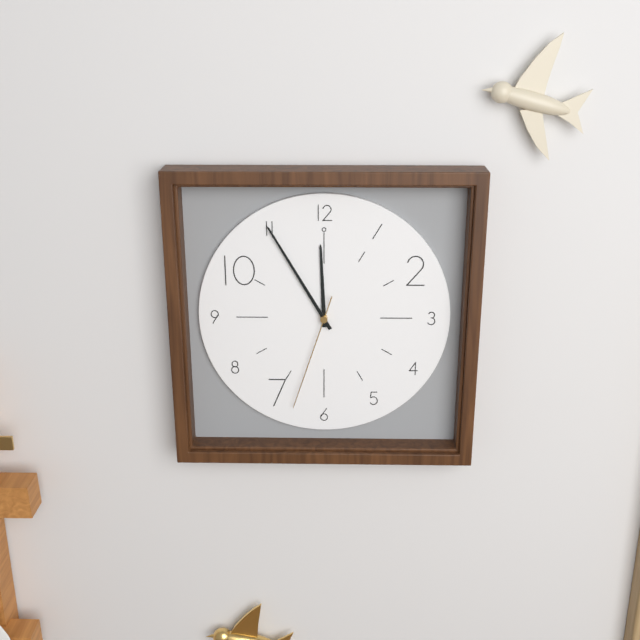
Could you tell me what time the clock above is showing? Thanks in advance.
11:55:33
